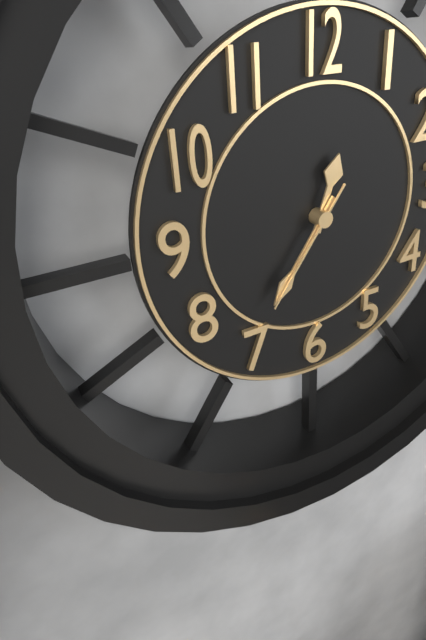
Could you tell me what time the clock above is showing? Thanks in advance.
12:36:36
